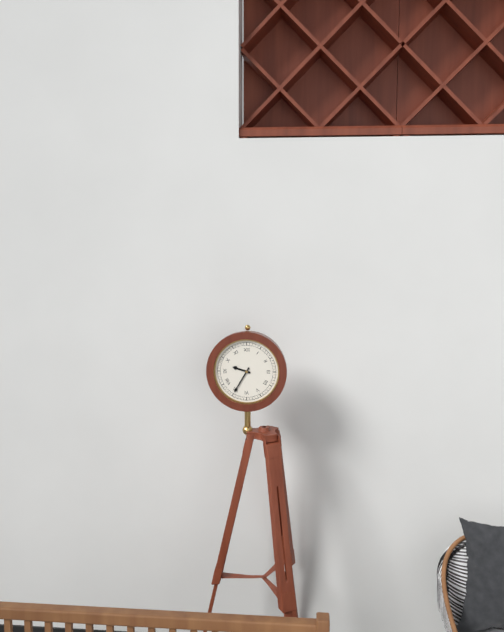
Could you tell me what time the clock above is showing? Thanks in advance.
9:35
